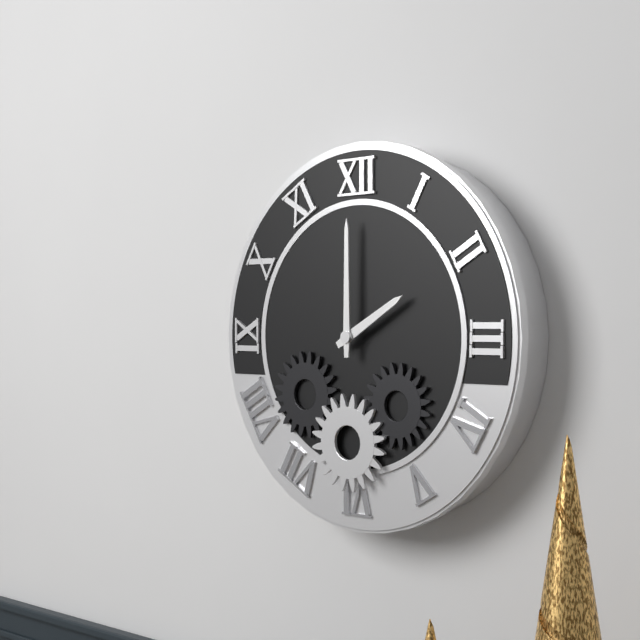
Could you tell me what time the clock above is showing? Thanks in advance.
2:00
